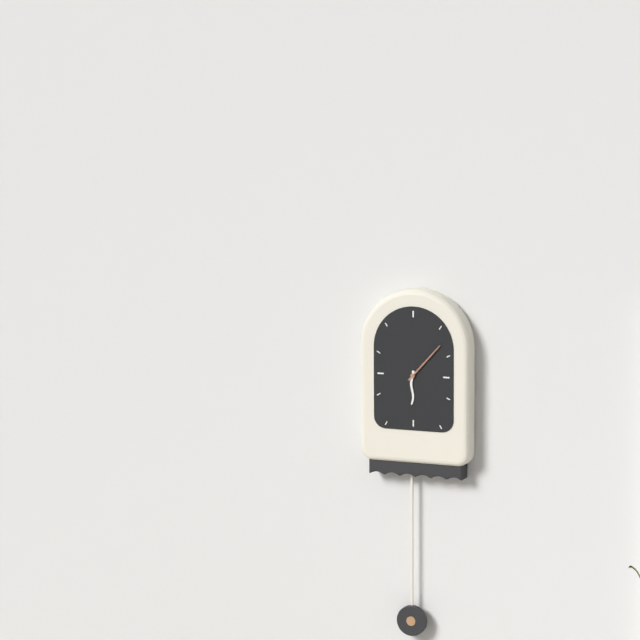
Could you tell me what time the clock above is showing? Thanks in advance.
6:07
